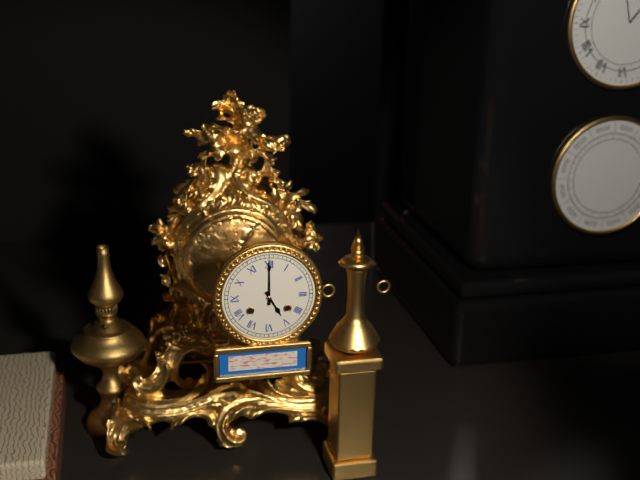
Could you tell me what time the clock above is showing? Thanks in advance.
5:00
